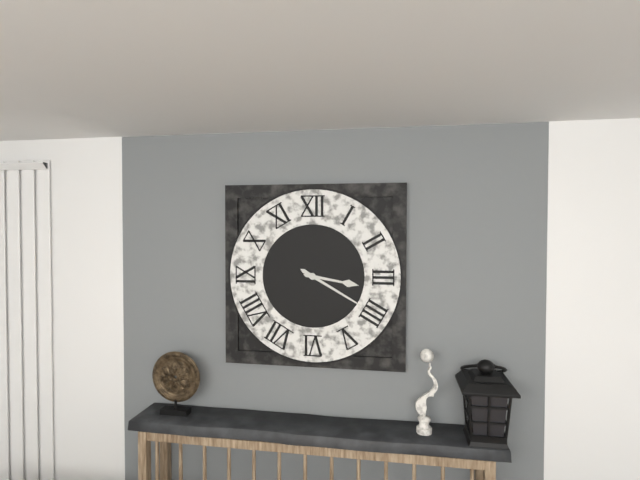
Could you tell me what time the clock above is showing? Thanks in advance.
3:20
